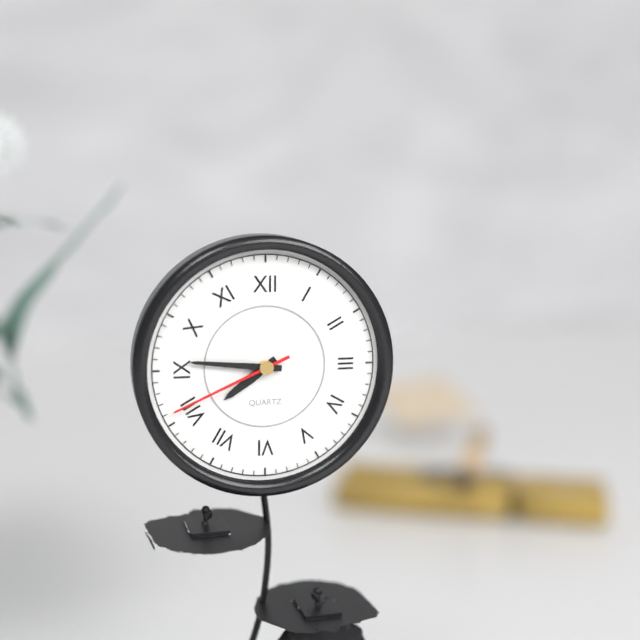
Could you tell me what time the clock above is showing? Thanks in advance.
7:46:41
